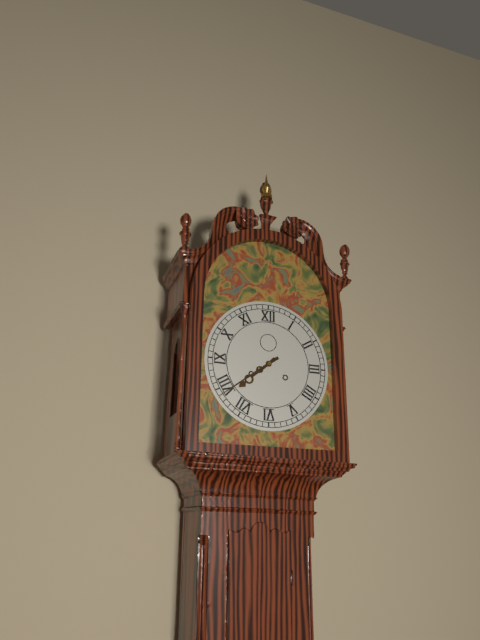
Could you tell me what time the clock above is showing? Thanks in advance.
7:39
